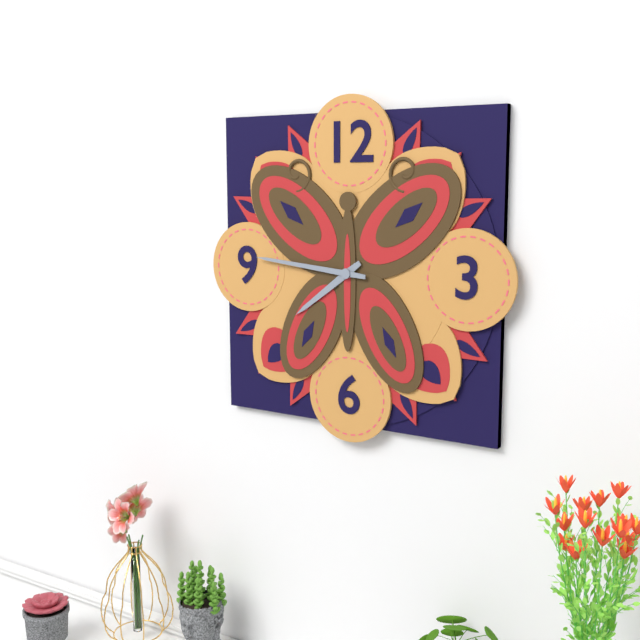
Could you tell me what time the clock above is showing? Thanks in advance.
7:46
